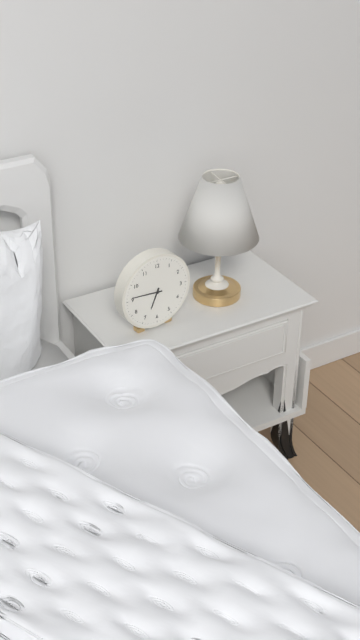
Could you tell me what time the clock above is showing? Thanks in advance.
6:46
